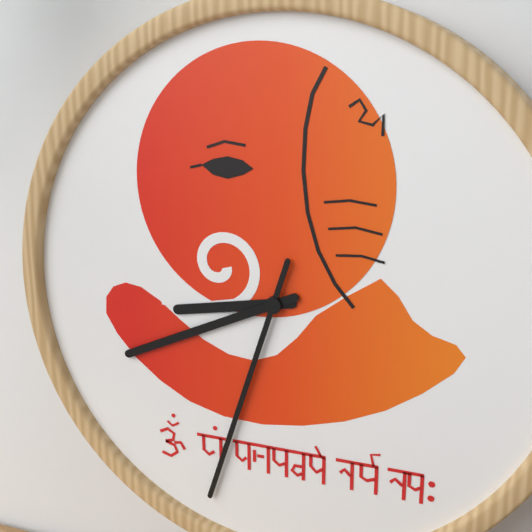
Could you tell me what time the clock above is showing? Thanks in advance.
8:41:33
